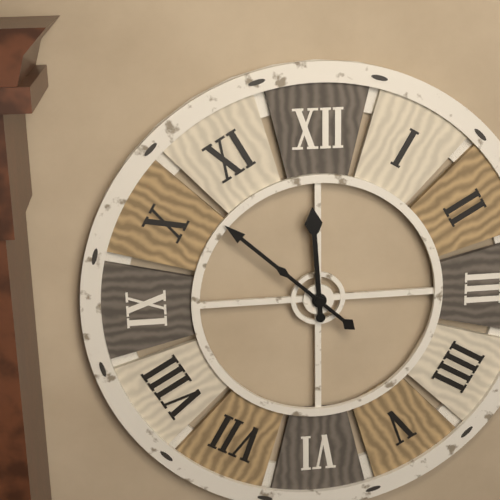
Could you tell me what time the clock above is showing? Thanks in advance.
11:52
